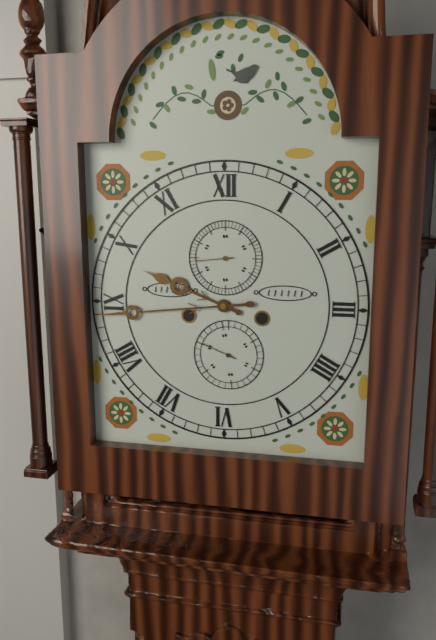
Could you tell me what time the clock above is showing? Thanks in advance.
9:44
